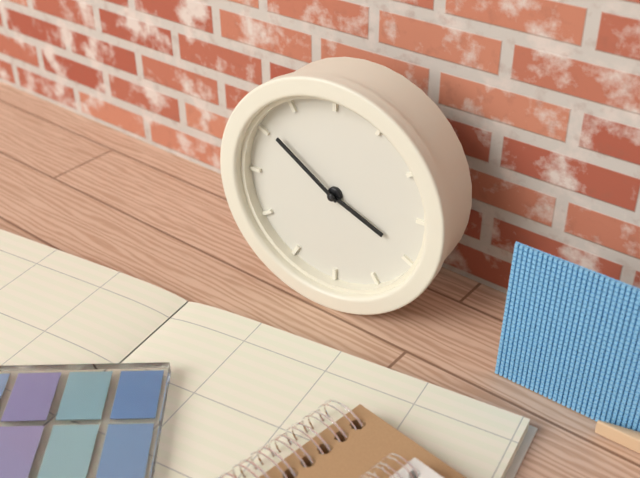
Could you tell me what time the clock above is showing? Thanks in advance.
3:51
